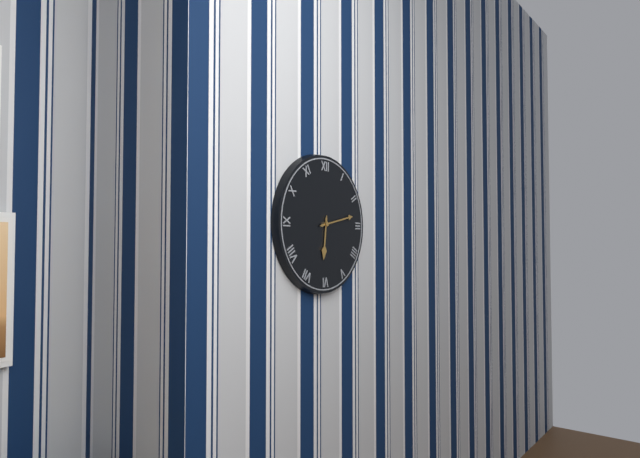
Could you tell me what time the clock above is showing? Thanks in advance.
6:13
